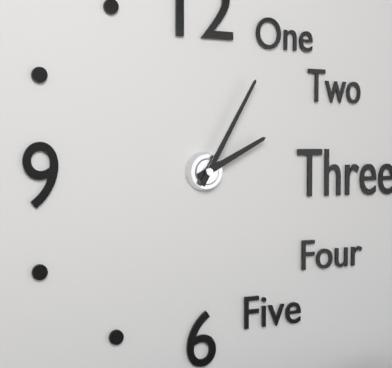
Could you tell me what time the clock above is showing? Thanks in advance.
2:05
